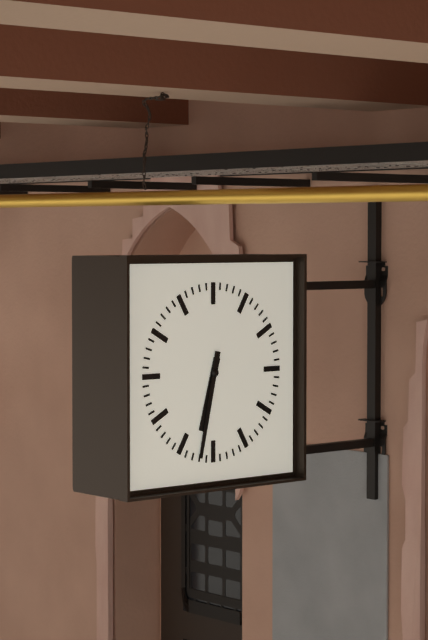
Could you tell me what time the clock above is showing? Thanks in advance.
6:32
